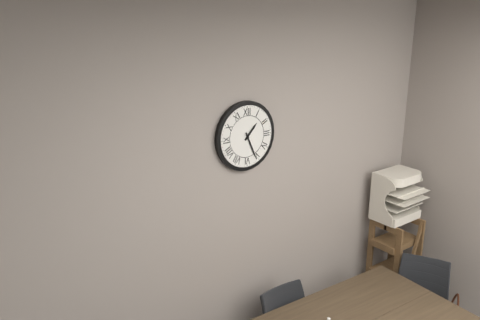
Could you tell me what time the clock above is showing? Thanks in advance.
1:26
